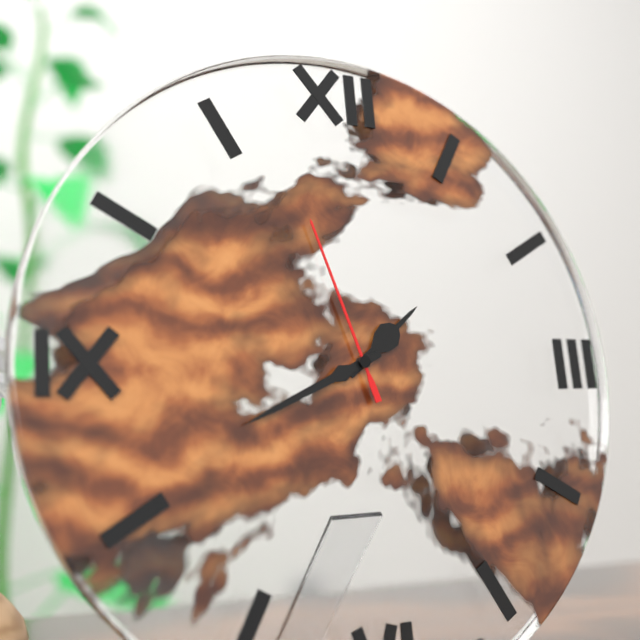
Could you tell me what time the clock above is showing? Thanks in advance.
1:41:57
